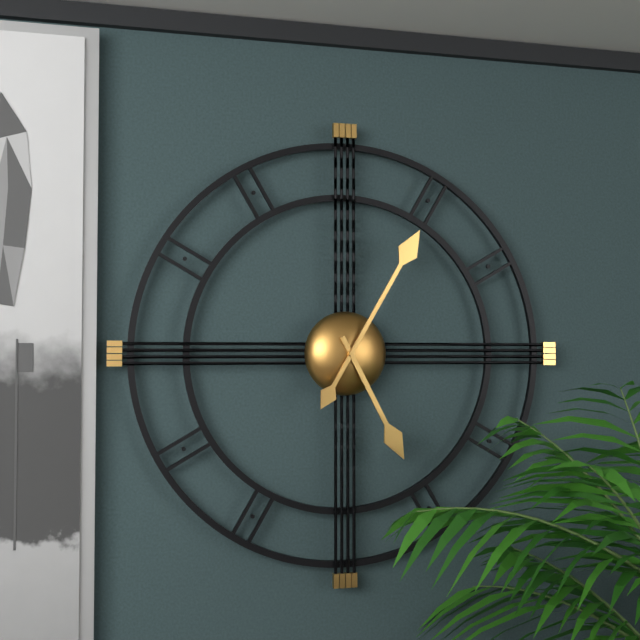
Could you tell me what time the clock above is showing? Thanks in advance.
5:05
